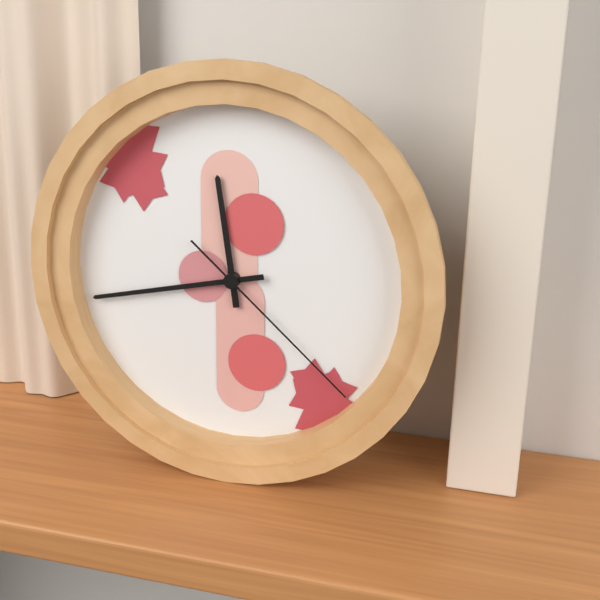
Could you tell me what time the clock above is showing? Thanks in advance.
11:43:22
